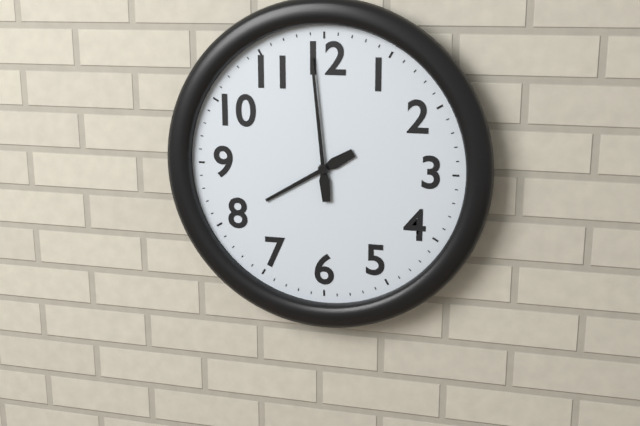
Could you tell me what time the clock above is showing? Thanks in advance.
7:59
